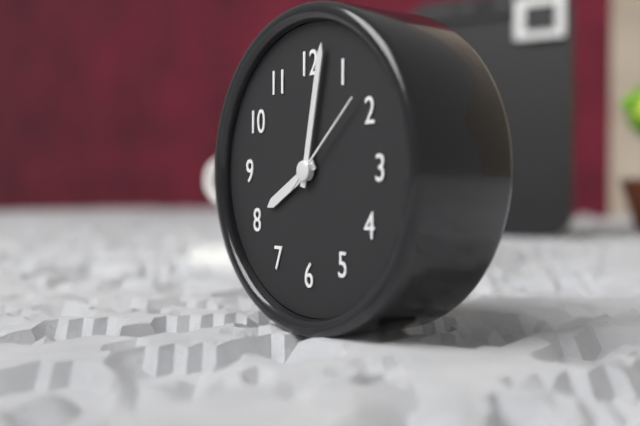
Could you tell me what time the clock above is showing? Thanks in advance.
8:02:08
